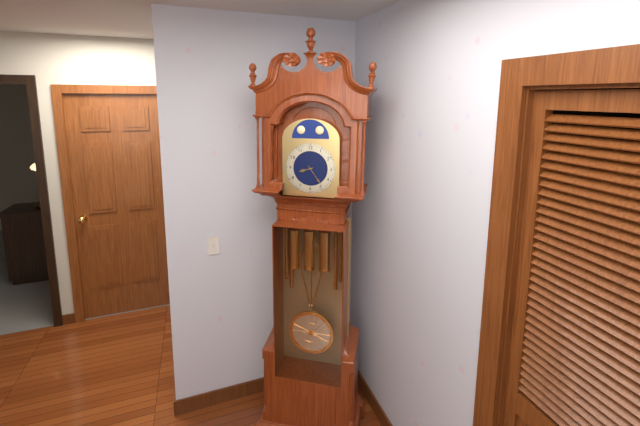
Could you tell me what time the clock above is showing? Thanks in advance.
8:24
